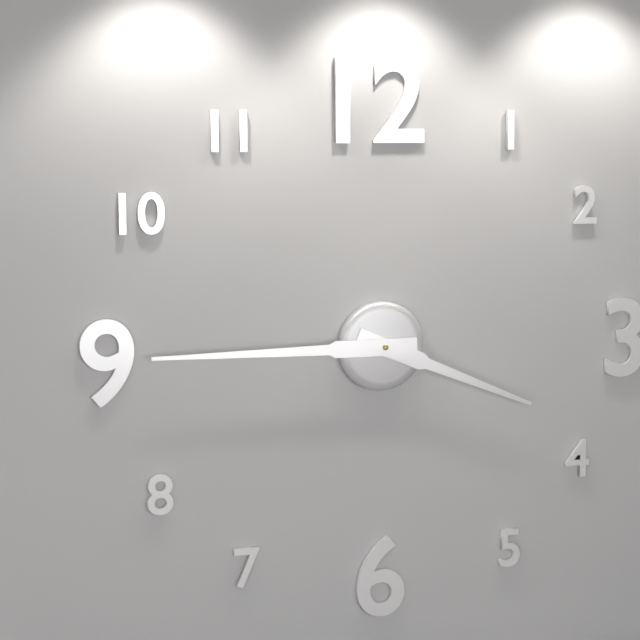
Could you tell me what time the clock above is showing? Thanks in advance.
3:45
